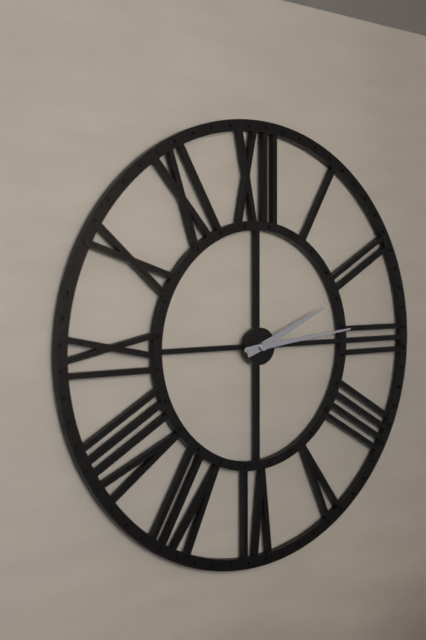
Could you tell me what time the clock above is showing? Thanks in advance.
2:14
